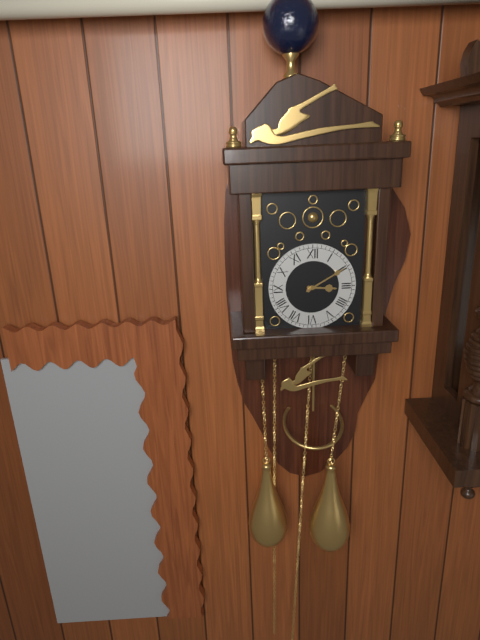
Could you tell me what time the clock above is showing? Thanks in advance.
3:10
